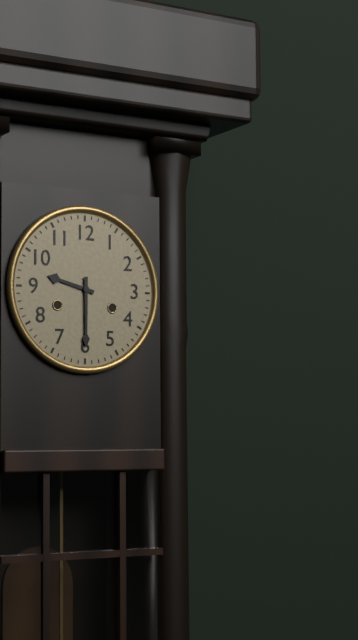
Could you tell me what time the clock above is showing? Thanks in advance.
9:30
